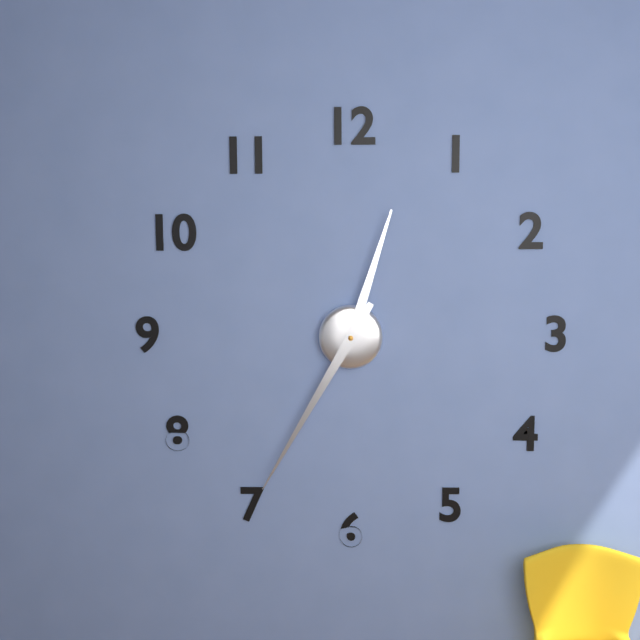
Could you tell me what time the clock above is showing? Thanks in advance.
12:35
